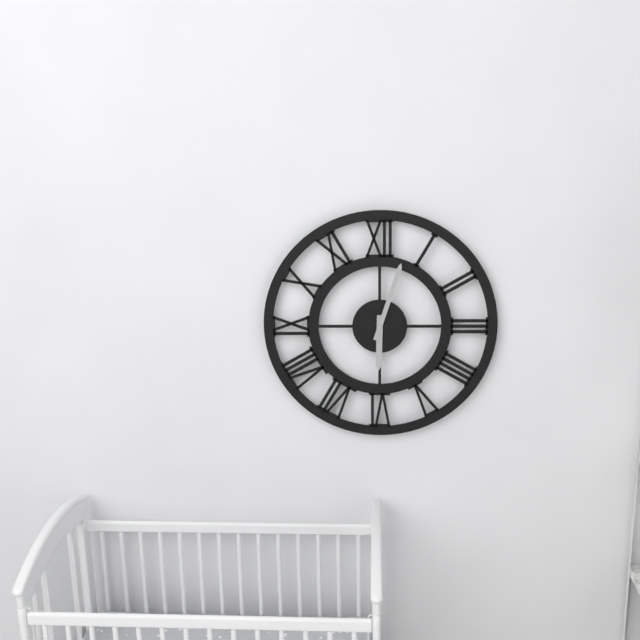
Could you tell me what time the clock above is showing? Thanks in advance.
6:03
